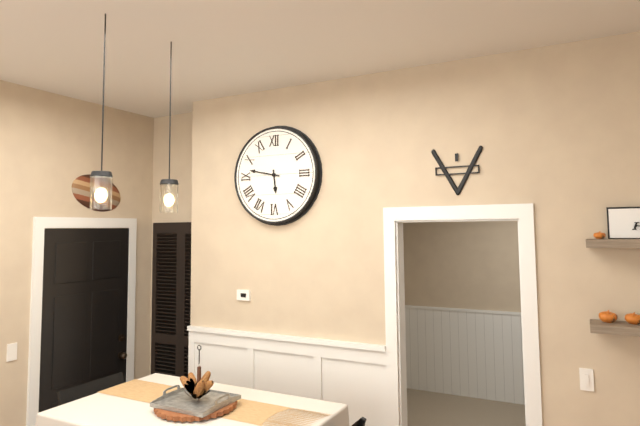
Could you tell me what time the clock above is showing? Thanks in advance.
5:47
